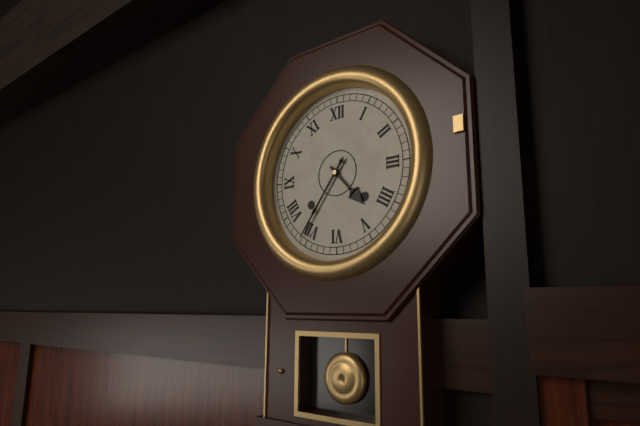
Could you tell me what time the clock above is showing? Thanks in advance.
4:36
